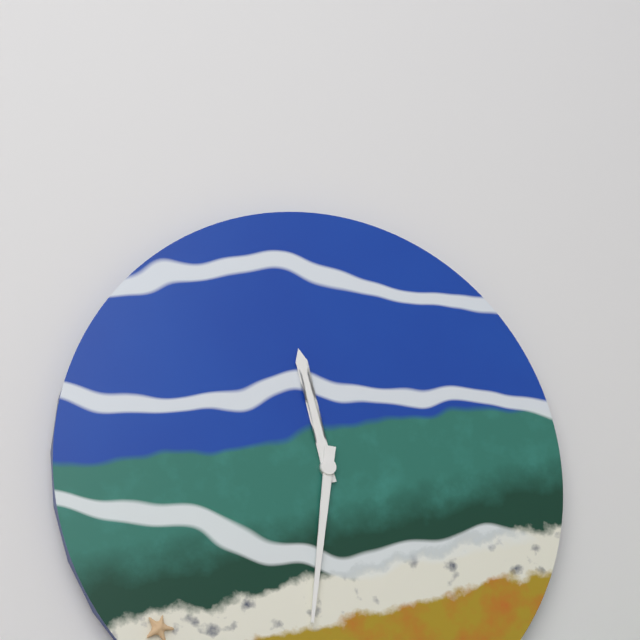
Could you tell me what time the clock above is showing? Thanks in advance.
11:31
